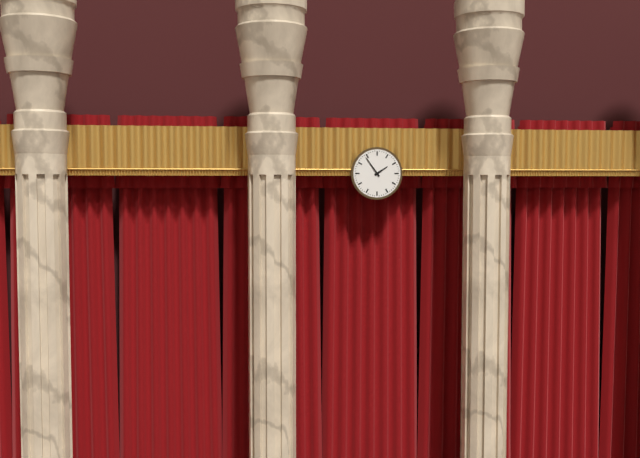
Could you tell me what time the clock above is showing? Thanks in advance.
1:54
